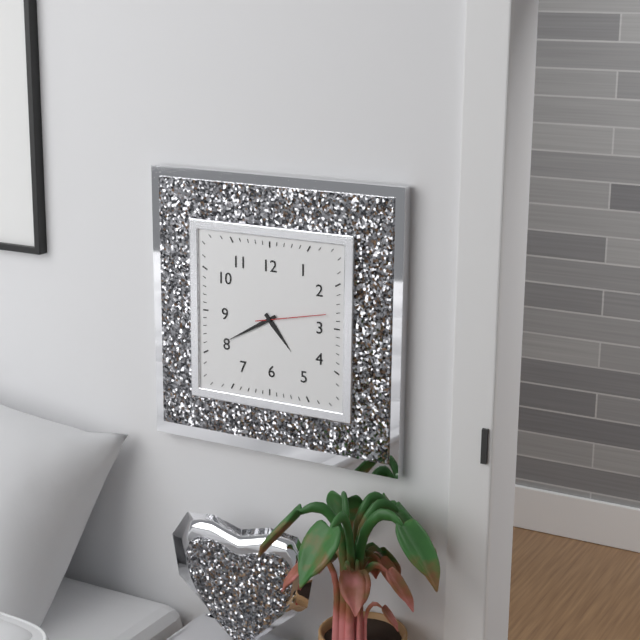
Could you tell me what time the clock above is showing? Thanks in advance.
4:40:13
